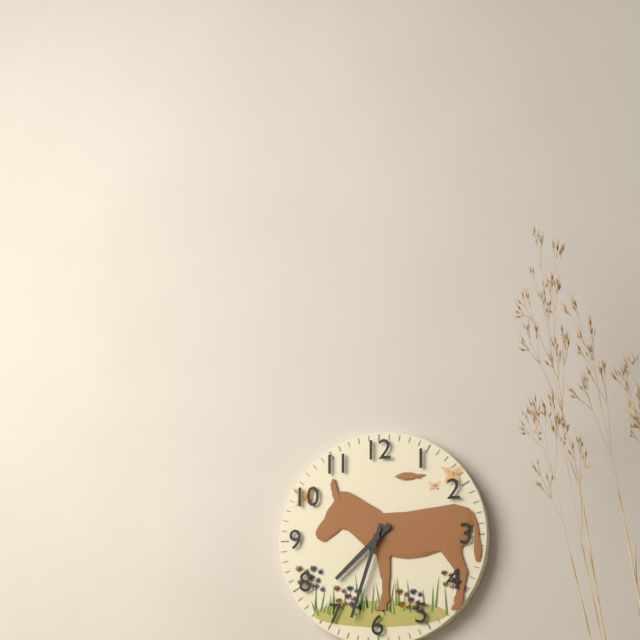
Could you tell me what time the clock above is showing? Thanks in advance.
7:33
